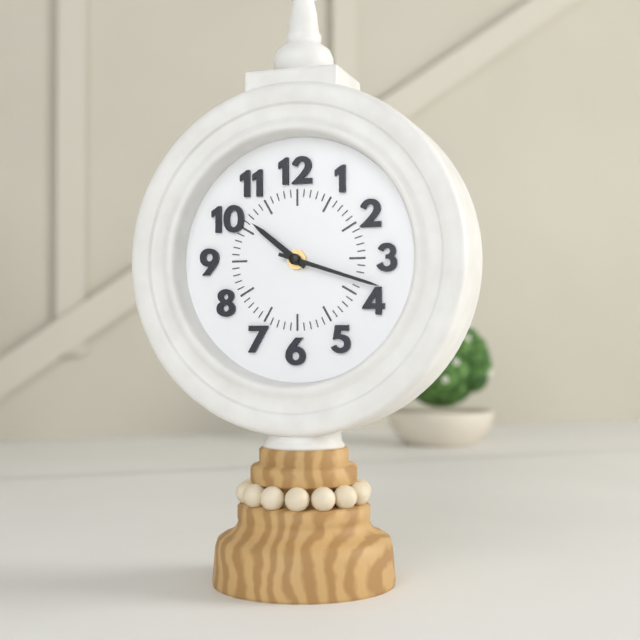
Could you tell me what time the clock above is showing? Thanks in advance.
10:18
